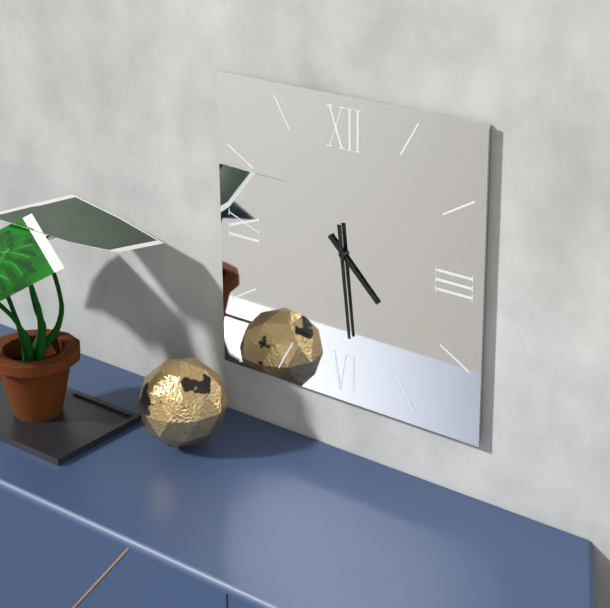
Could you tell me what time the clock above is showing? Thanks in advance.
4:29
